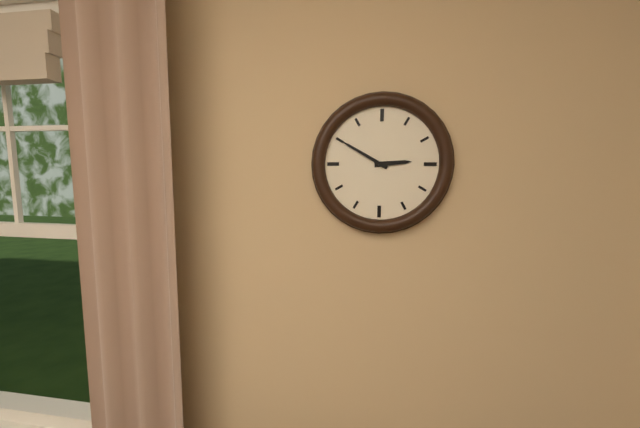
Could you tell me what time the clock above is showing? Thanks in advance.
2:50
